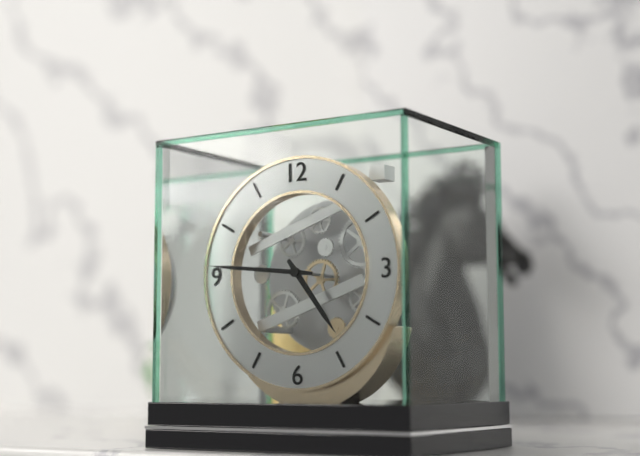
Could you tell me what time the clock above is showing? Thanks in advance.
4:46
